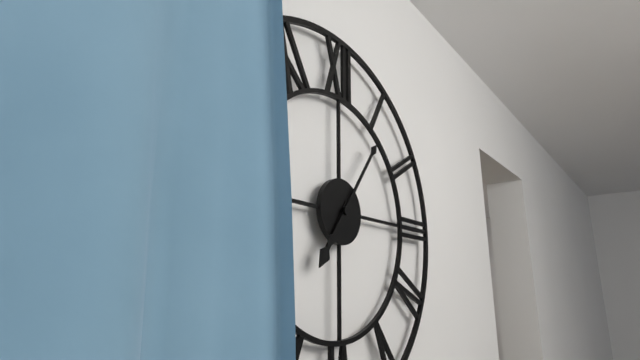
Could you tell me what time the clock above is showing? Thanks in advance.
7:06
